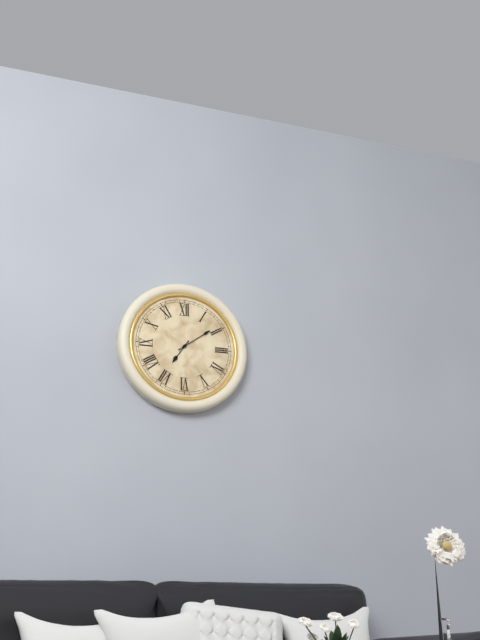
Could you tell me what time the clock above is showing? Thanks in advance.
7:09
